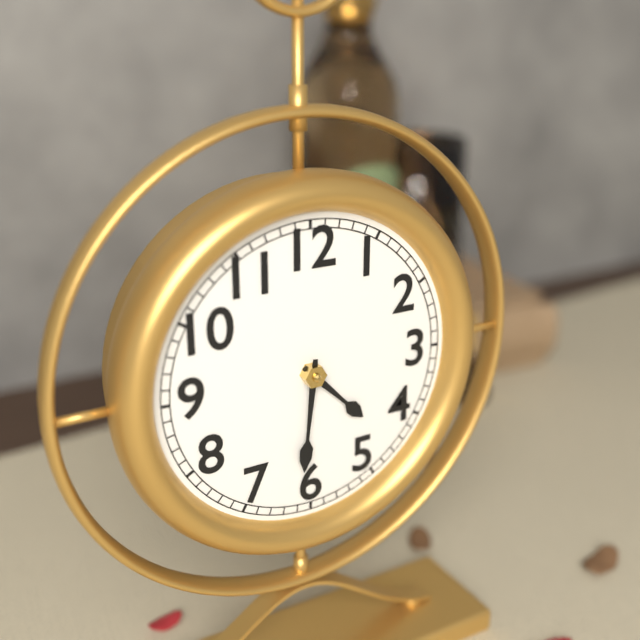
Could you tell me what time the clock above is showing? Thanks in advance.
4:31
